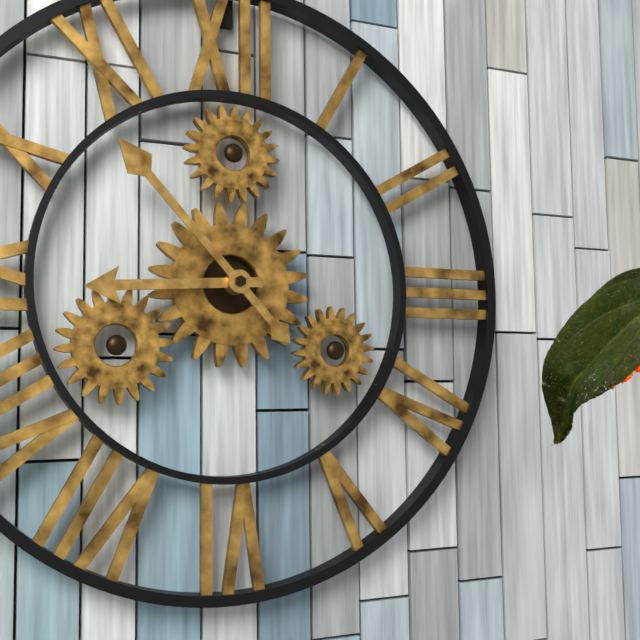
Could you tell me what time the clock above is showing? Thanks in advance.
8:53
